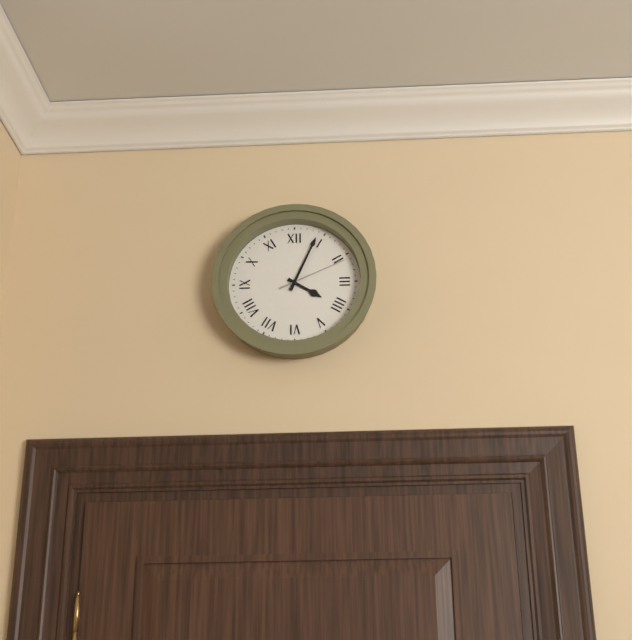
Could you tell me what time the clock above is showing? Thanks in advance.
4:04:11
